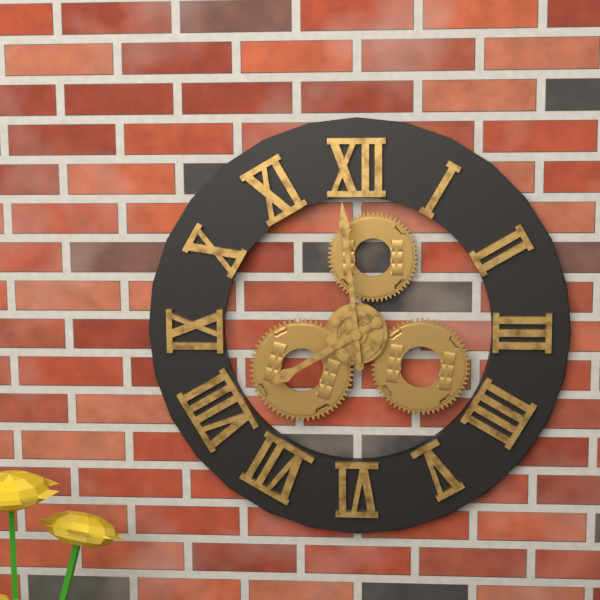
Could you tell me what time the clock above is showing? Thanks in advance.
7:59
